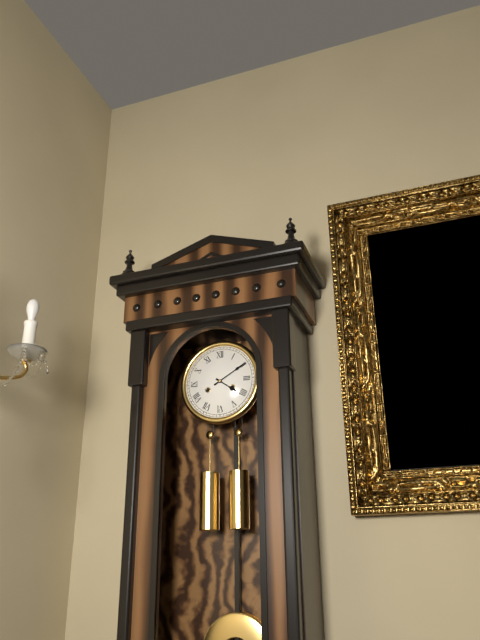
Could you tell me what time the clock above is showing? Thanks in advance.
4:10
